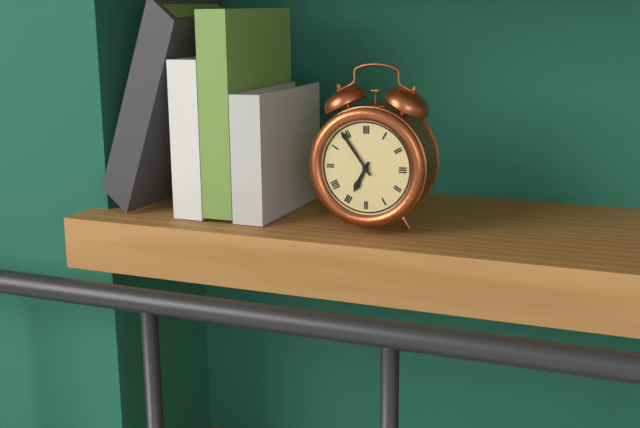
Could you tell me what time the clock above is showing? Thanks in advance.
6:54
